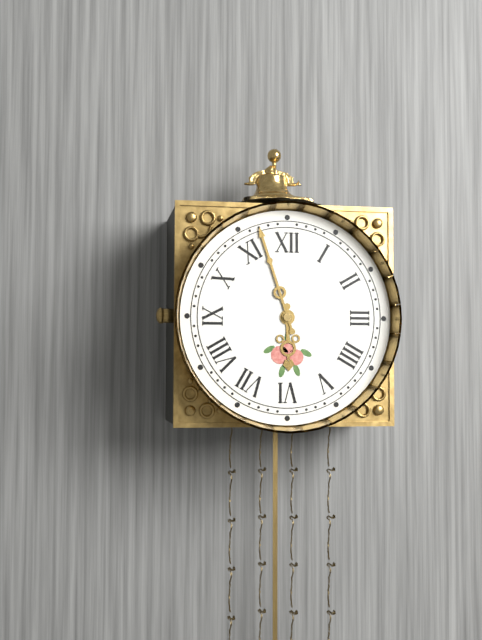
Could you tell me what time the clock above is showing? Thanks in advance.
5:57
